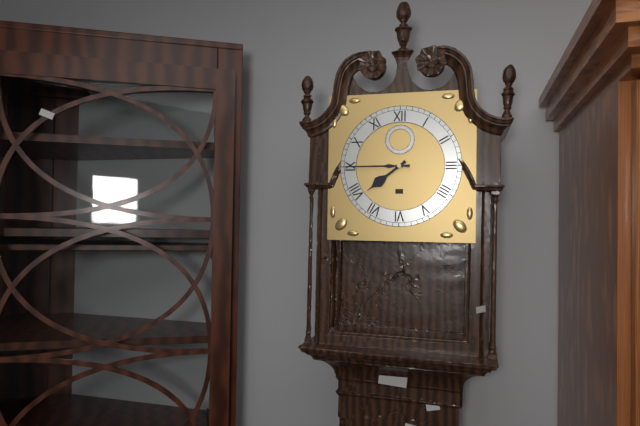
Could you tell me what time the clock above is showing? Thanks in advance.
7:45
